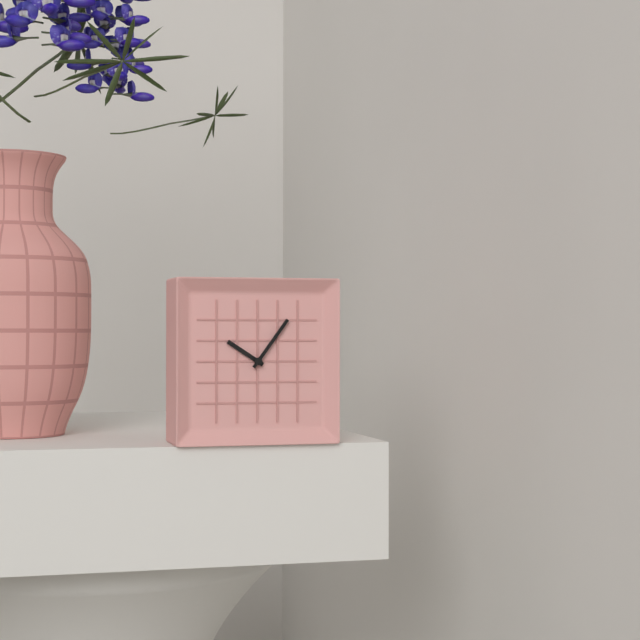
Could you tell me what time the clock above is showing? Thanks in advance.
10:06
